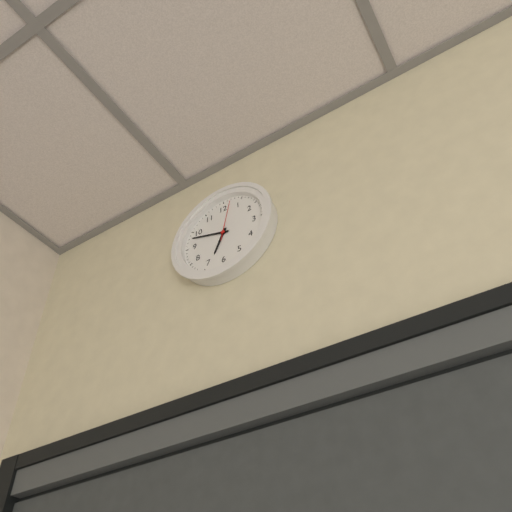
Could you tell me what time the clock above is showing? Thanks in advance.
6:48
